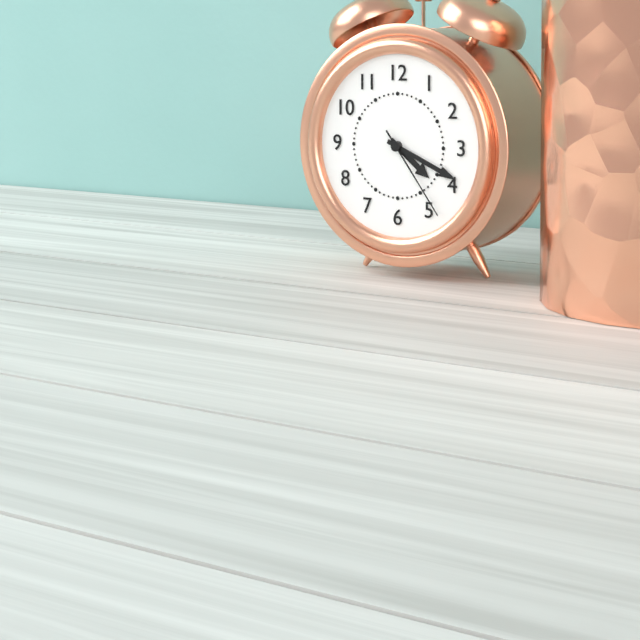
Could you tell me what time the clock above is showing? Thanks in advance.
4:19:24
